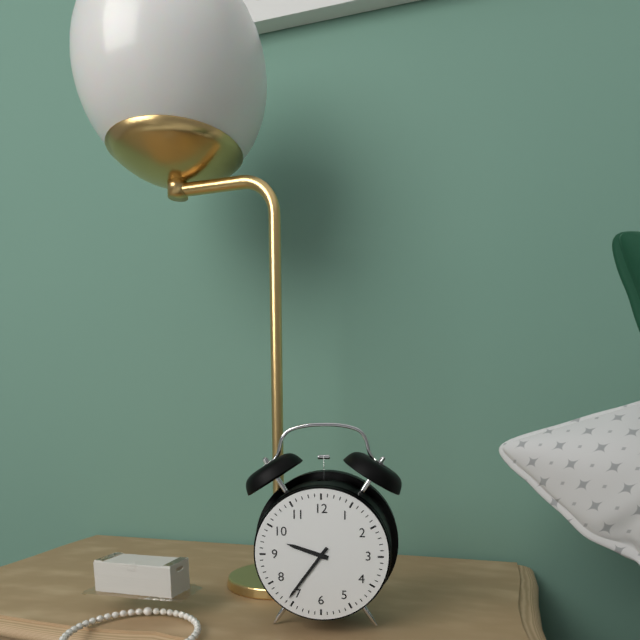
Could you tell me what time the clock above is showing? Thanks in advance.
9:36
